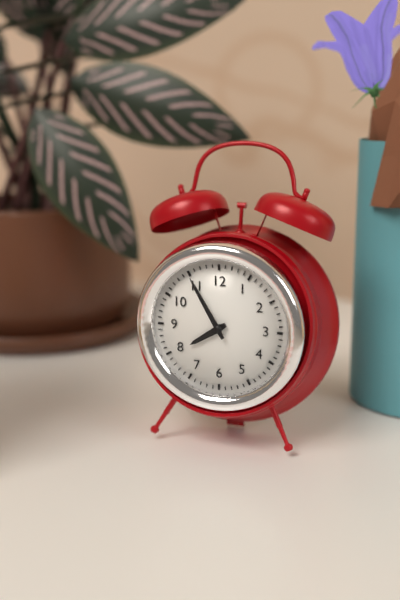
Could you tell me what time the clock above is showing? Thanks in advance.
7:55
